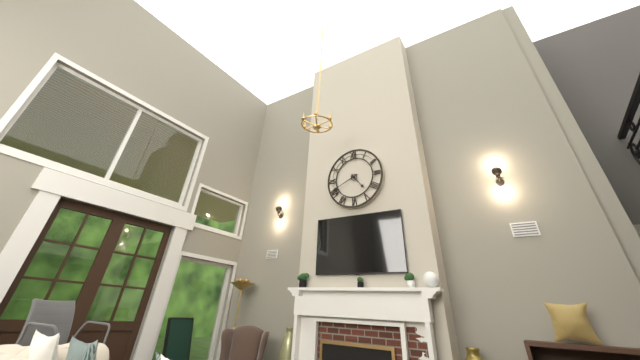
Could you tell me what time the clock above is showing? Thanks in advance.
4:41
